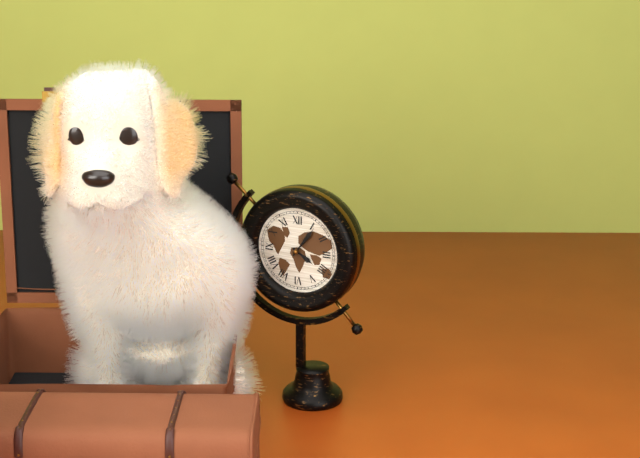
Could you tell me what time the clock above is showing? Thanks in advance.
4:06
